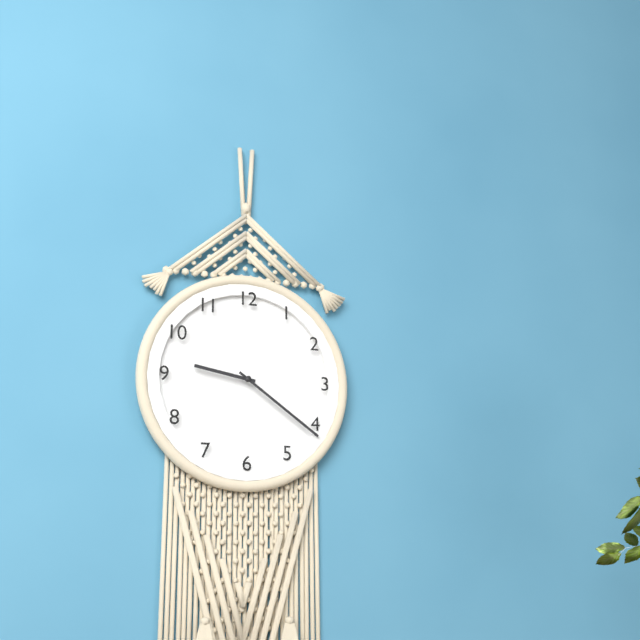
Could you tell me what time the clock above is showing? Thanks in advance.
9:21
